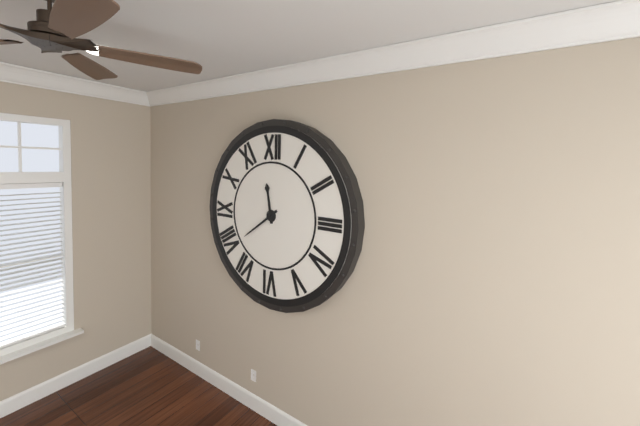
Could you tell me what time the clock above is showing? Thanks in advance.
11:39
